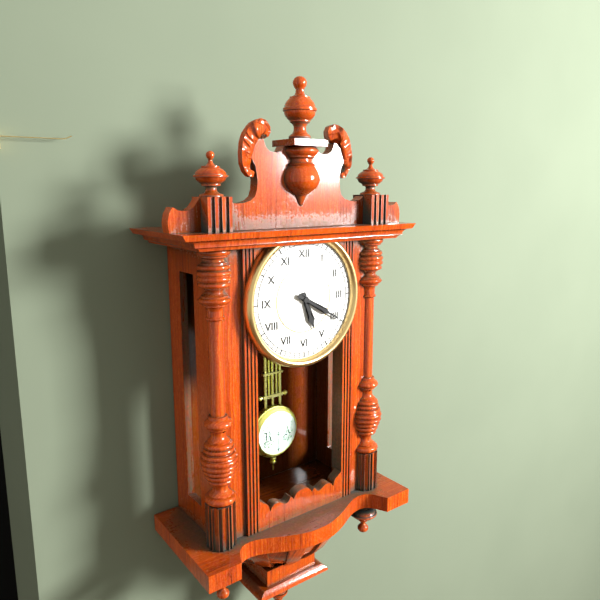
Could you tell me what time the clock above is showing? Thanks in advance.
5:20
